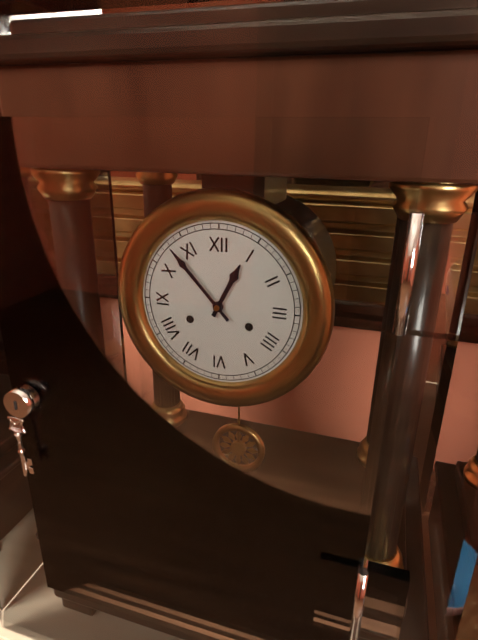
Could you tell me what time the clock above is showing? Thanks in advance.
12:53
